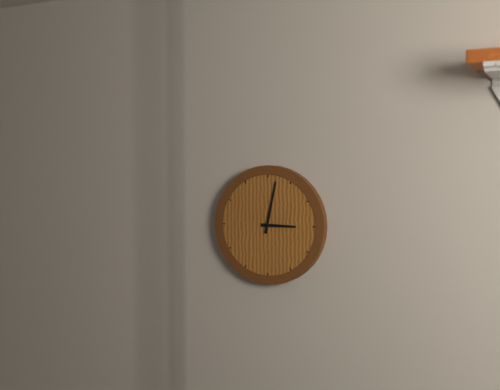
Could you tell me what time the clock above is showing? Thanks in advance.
3:02
